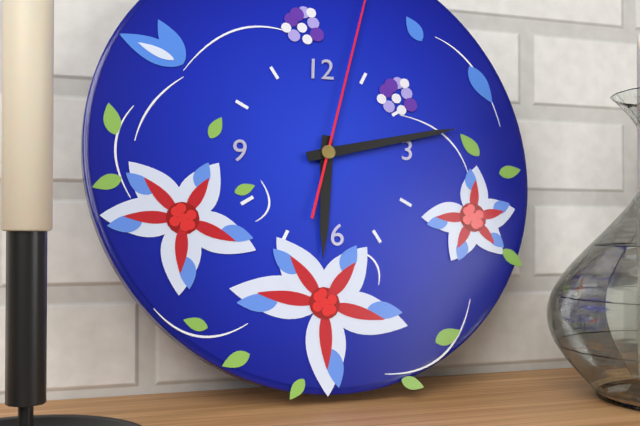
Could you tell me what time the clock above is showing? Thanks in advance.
6:13
